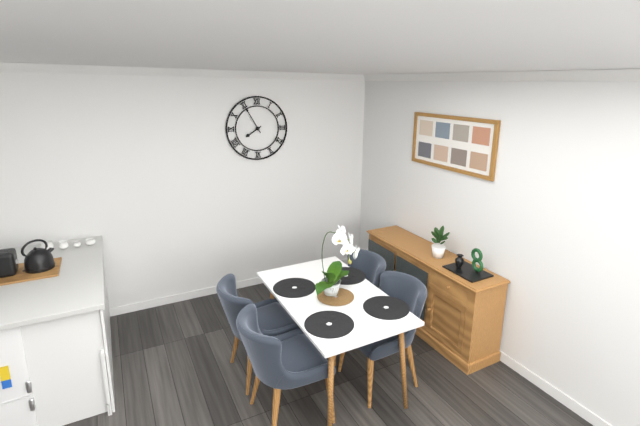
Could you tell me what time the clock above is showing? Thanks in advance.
7:55
